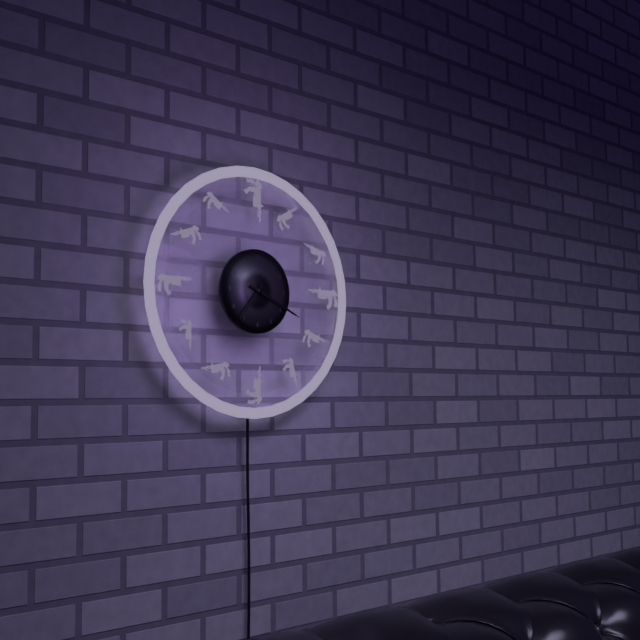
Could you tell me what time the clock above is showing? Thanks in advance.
7:19
